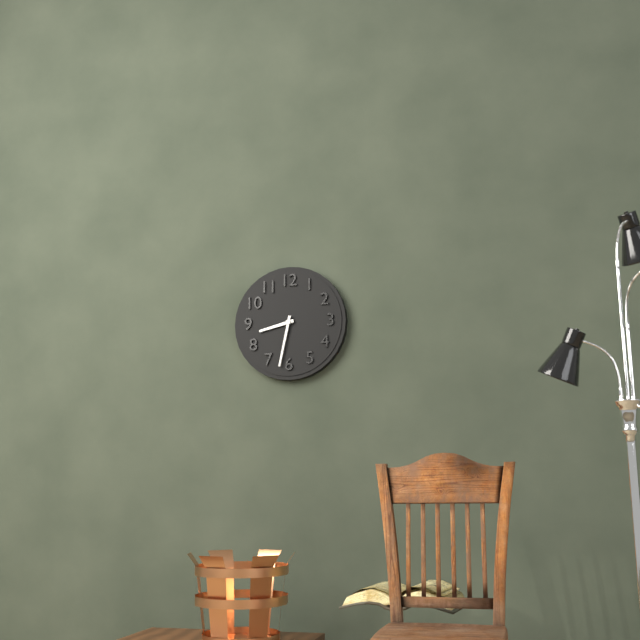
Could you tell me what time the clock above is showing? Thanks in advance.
8:32
